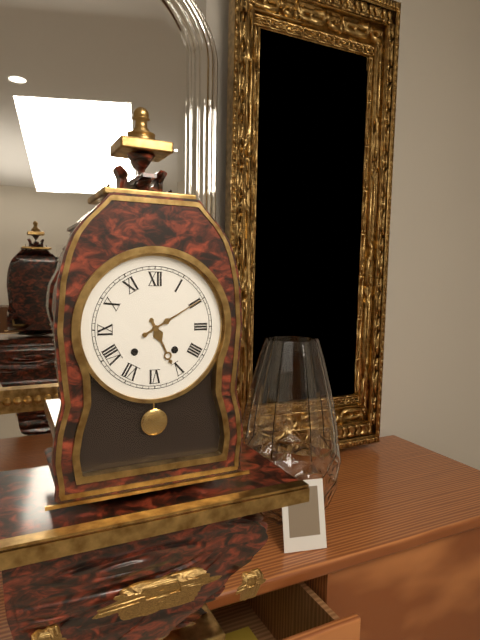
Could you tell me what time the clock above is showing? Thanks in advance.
5:10
